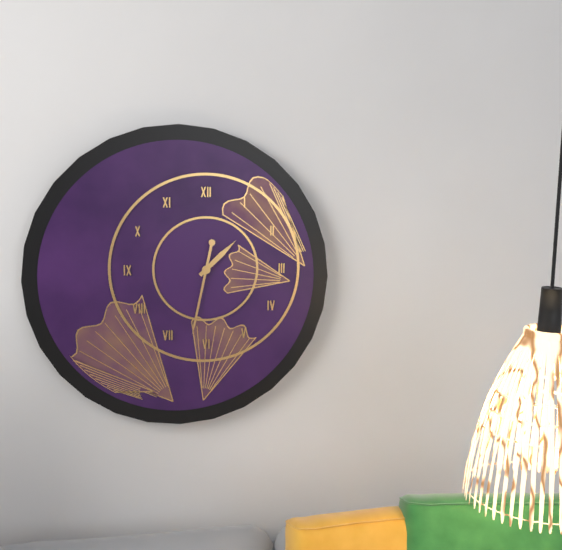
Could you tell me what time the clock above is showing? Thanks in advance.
1:32
